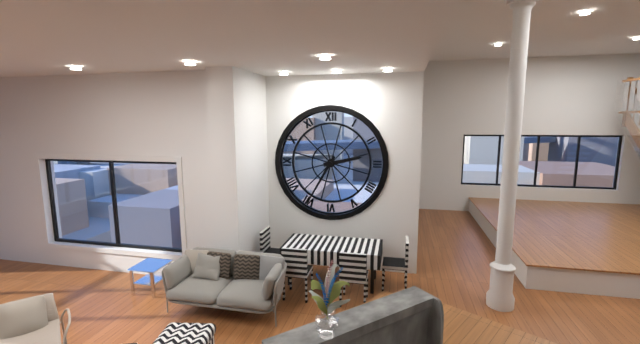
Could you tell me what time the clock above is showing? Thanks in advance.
2:35
